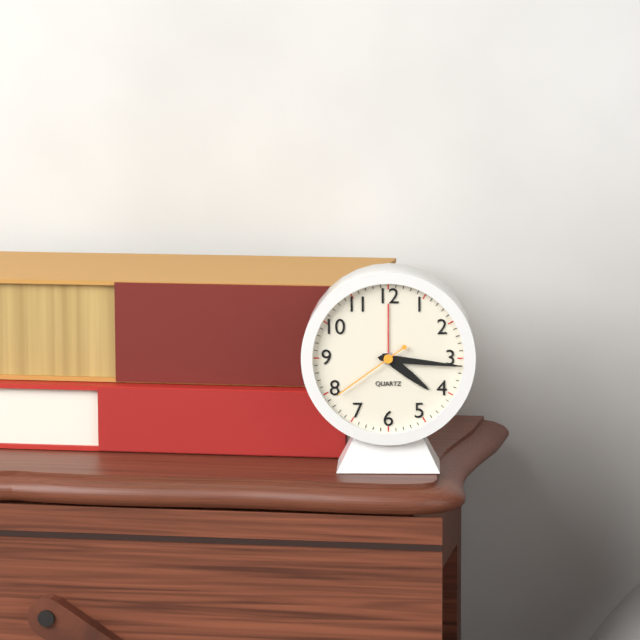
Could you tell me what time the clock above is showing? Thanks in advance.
4:16:39
